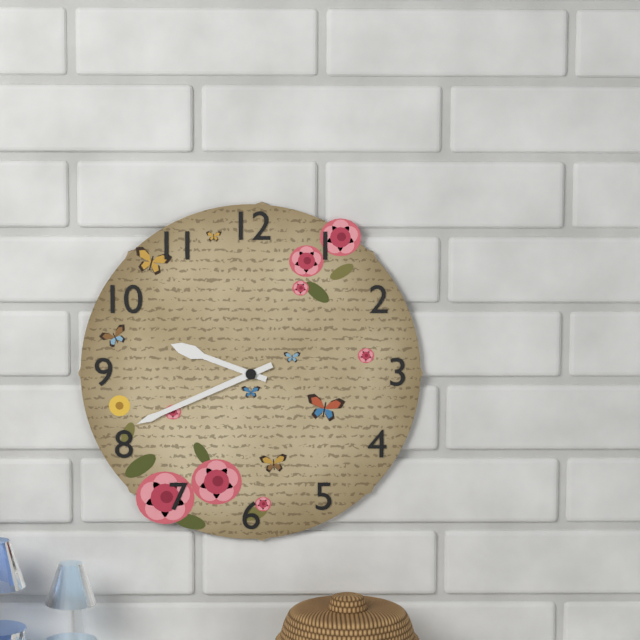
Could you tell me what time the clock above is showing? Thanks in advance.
9:41
